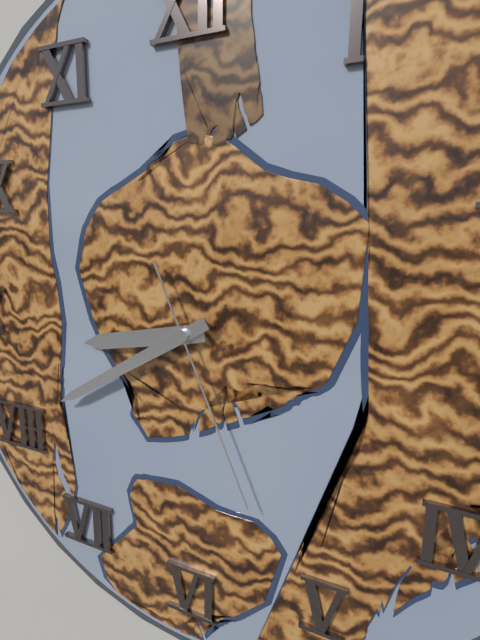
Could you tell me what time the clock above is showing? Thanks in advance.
8:40:26
